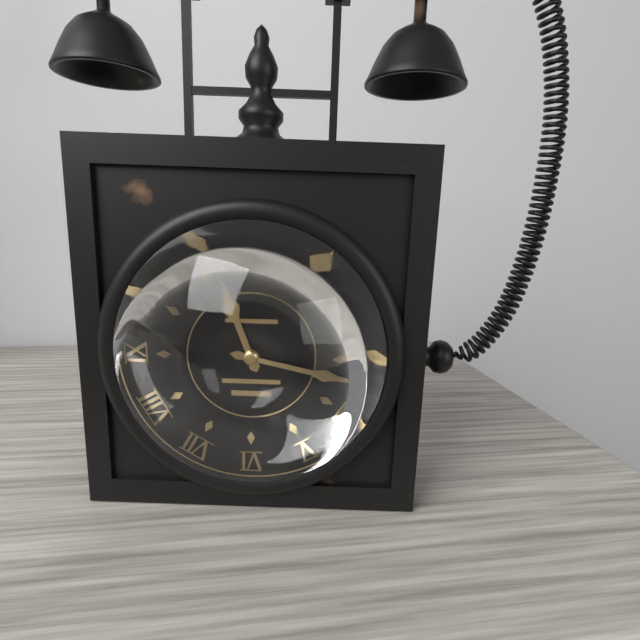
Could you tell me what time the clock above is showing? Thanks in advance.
11:17
